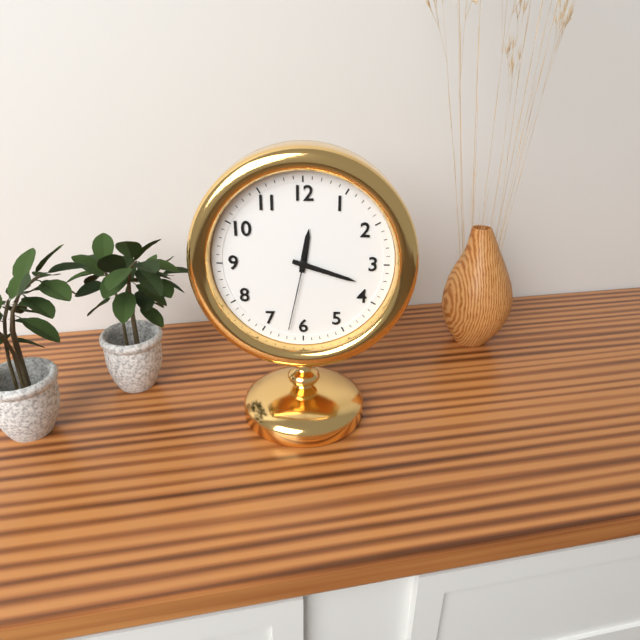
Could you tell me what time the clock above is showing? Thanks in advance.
12:18:32
